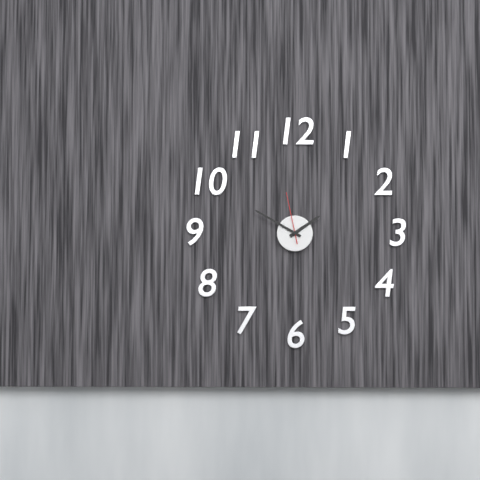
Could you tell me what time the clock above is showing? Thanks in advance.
1:50:58
